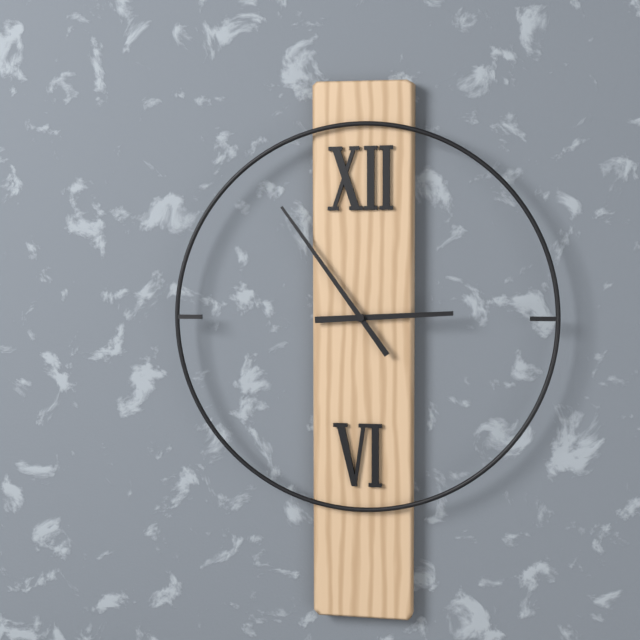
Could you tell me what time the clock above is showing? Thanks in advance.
2:54
